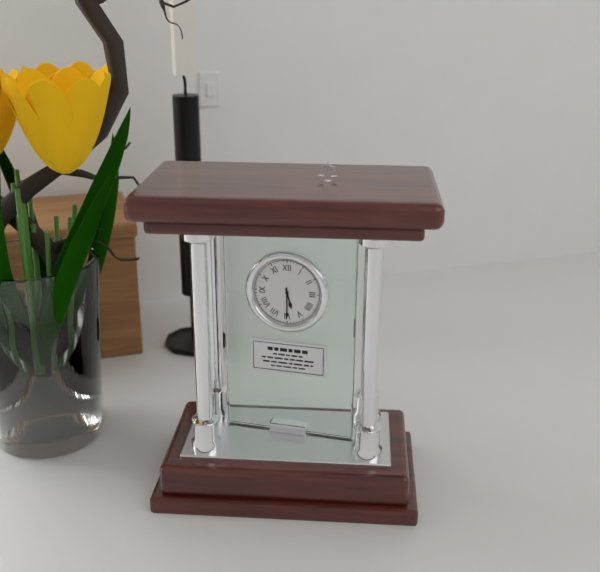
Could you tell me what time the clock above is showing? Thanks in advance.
5:30
